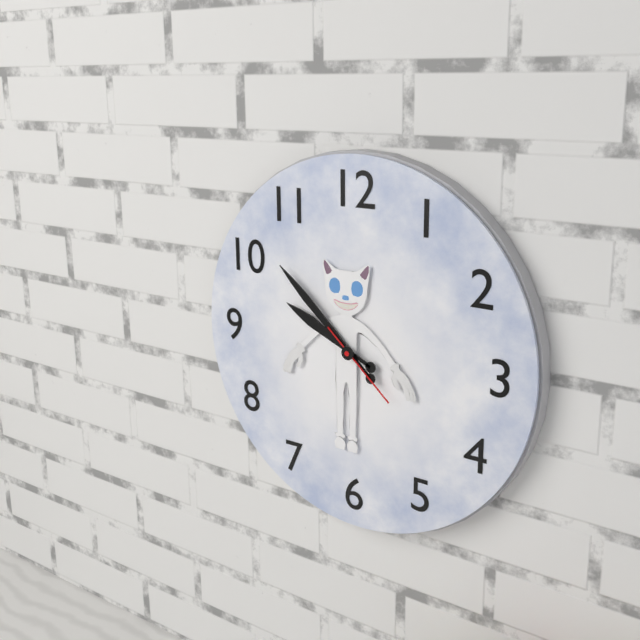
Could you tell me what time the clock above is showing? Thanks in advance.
9:52:22
